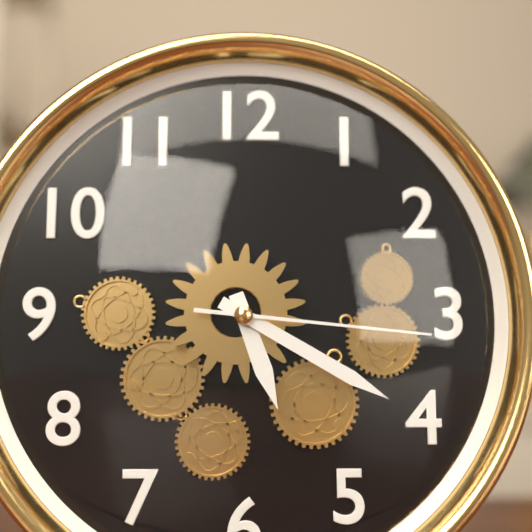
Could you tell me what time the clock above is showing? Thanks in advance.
5:20:16
